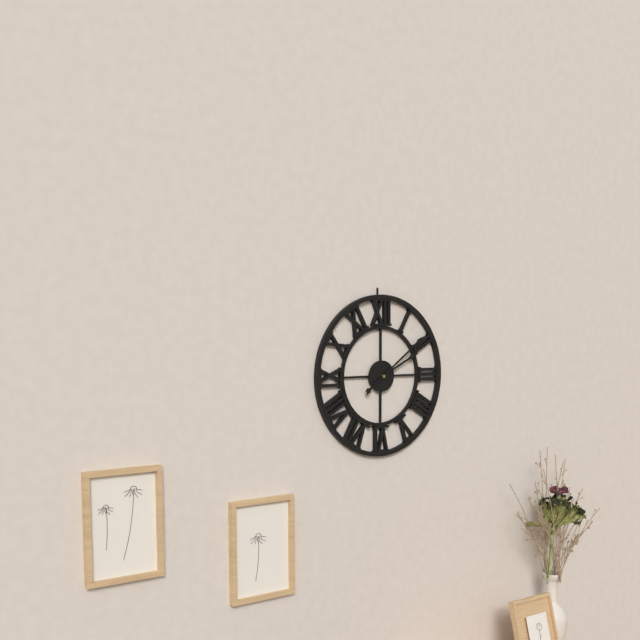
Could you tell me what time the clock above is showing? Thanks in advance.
2:09
